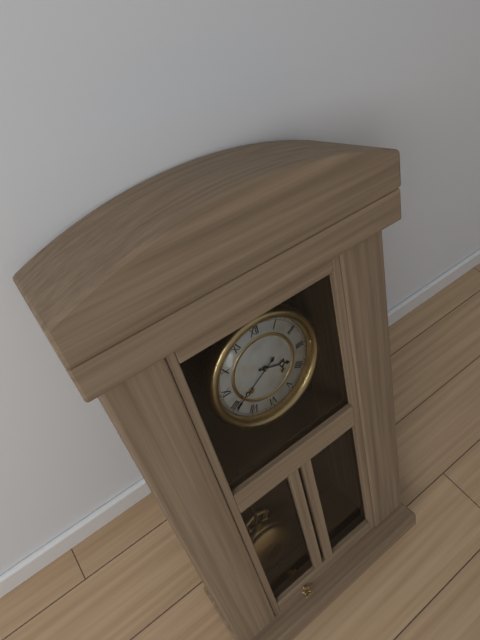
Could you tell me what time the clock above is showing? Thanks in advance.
3:40
